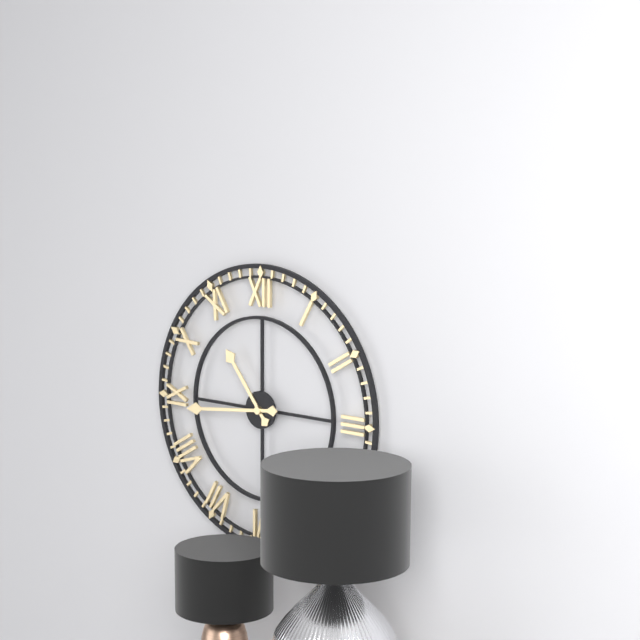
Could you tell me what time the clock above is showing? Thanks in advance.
10:44
